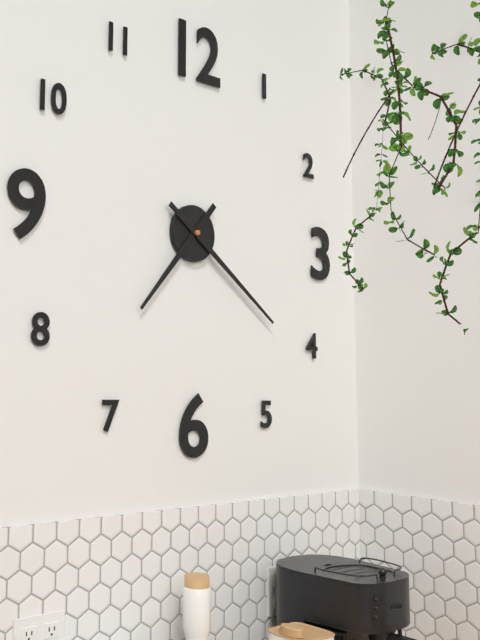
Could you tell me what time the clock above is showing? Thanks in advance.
7:21
